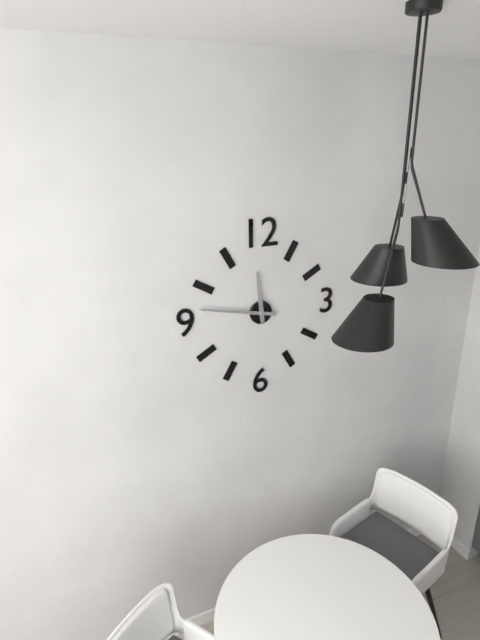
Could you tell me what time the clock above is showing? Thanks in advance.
11:47
